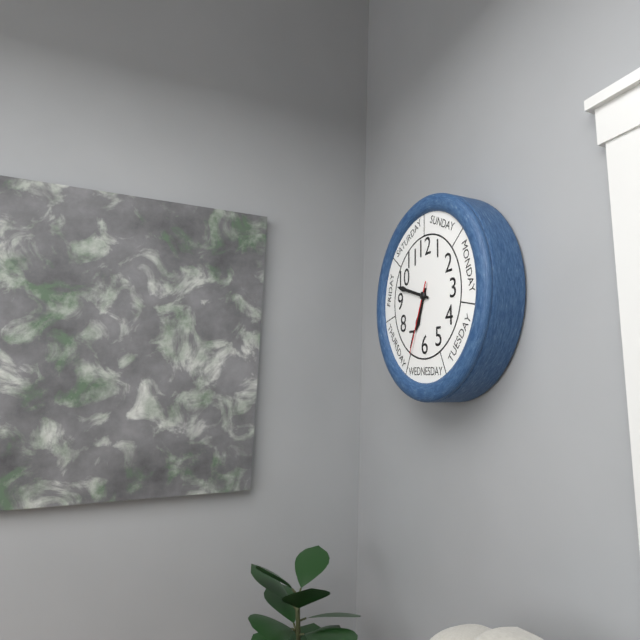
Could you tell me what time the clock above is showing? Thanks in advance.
6:48:34
